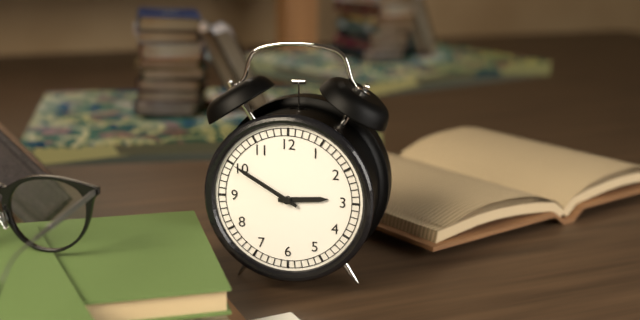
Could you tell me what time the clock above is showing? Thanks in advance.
2:50
